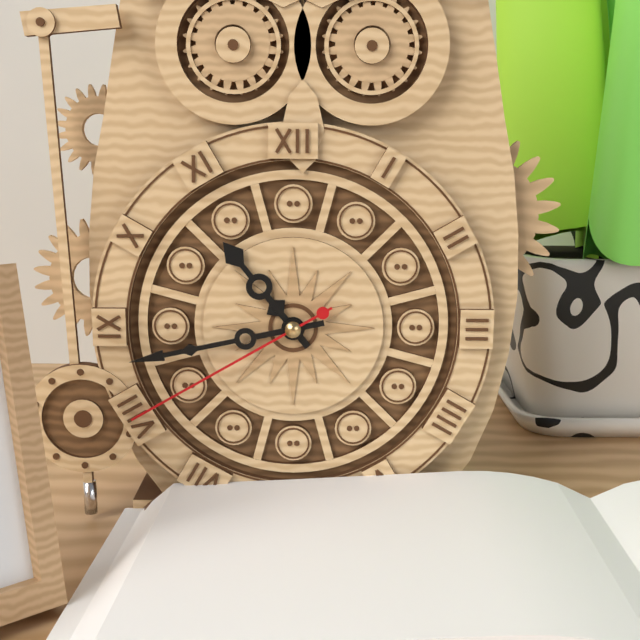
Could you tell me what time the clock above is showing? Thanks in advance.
10:43:40
